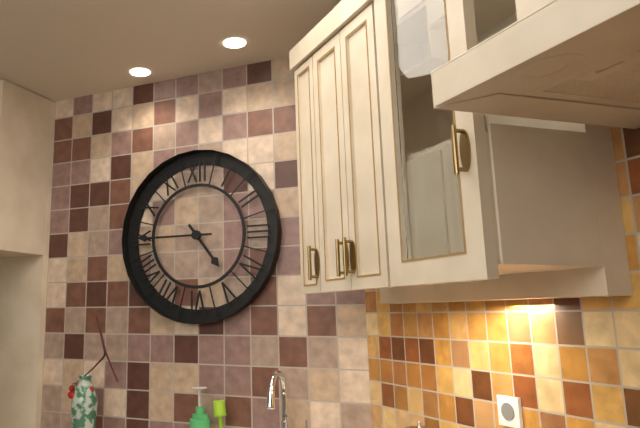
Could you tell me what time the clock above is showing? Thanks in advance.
4:45
